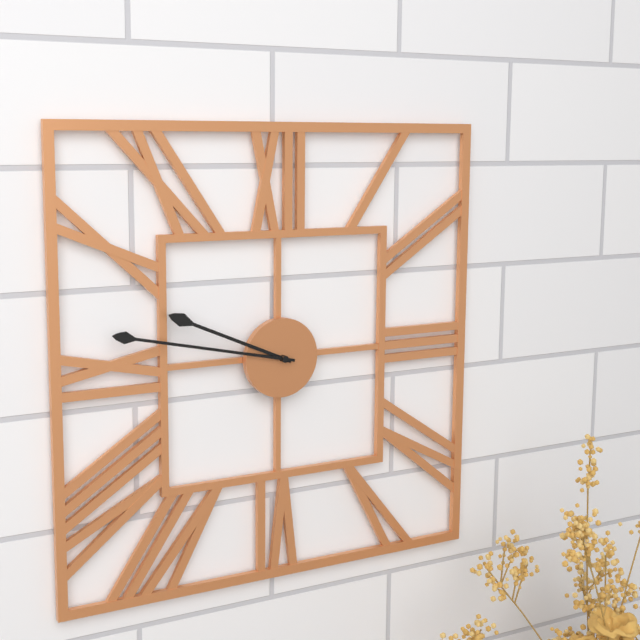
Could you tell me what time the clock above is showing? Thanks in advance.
9:47
